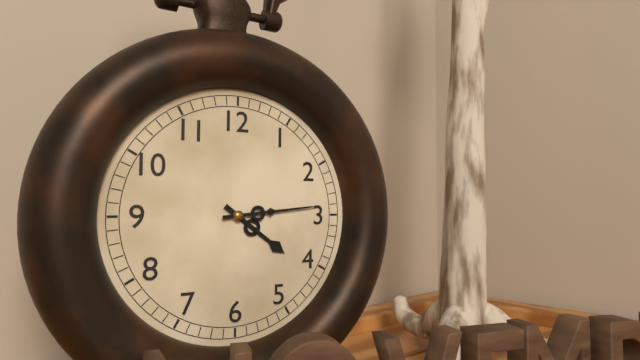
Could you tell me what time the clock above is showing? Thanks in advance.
4:14
